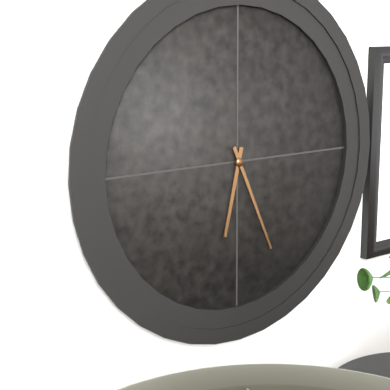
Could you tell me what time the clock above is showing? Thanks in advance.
6:26
